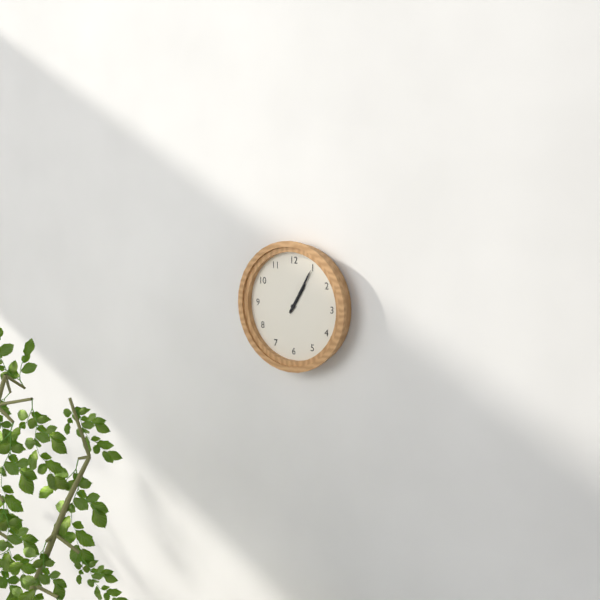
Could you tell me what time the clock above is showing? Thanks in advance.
1:05
